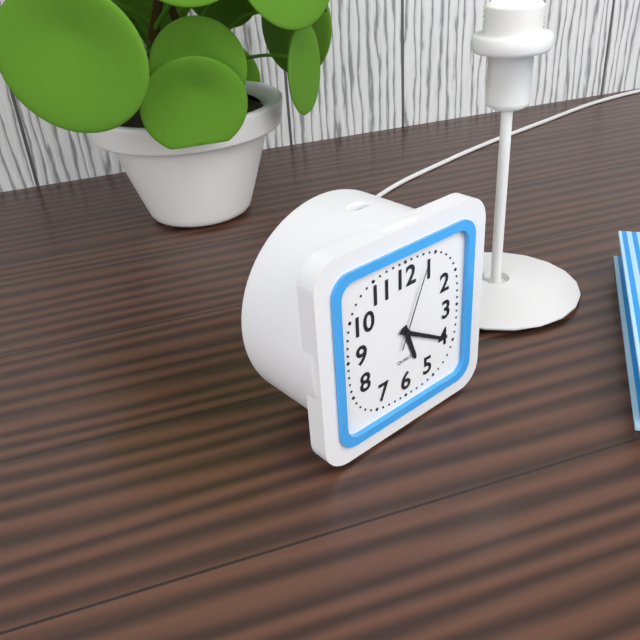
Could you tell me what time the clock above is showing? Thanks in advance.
5:20:04
